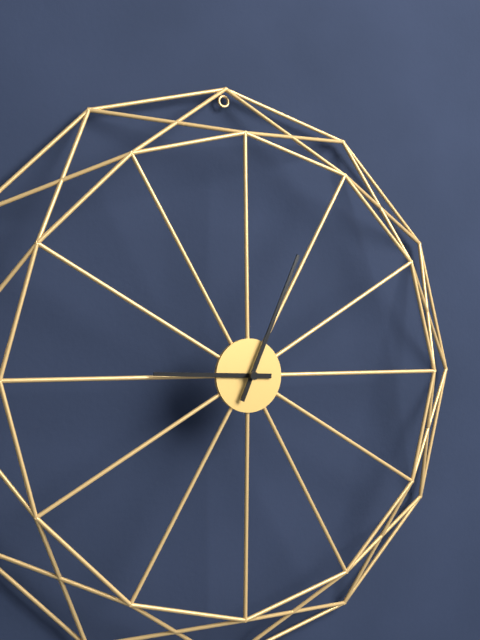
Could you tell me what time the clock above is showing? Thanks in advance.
9:04
